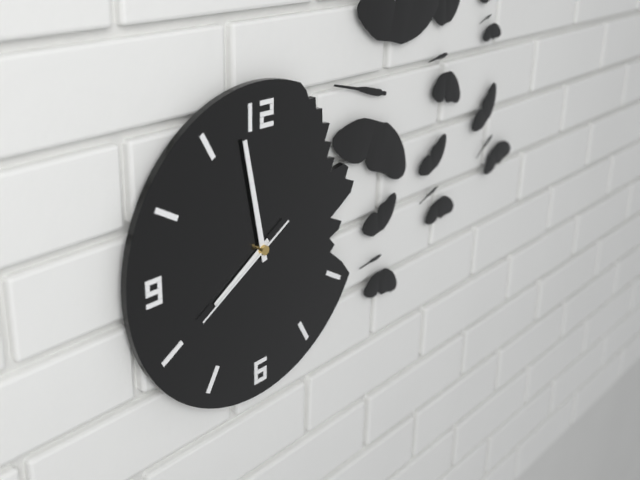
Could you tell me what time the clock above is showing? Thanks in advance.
7:58:40
